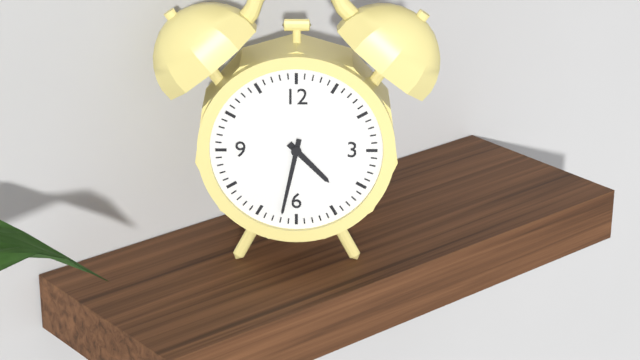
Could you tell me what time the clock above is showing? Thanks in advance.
4:32
